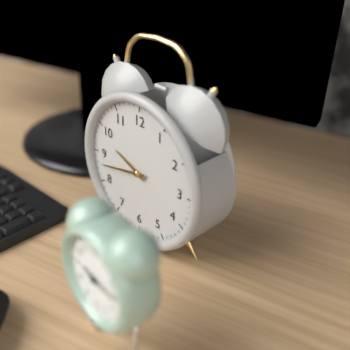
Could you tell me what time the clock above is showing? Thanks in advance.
9:43
